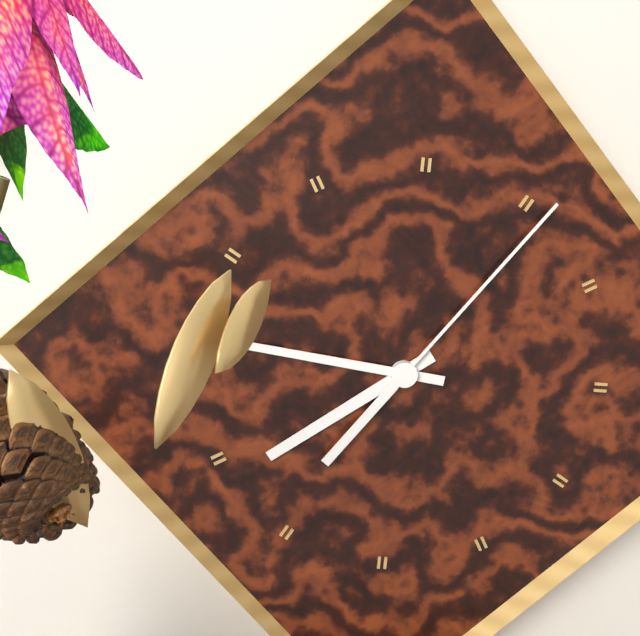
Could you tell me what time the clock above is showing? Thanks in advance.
7:46:06
